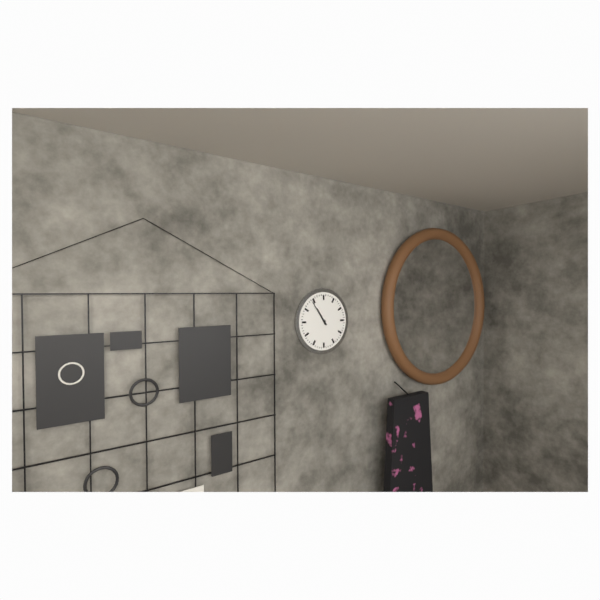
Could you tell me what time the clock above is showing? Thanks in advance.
10:54
